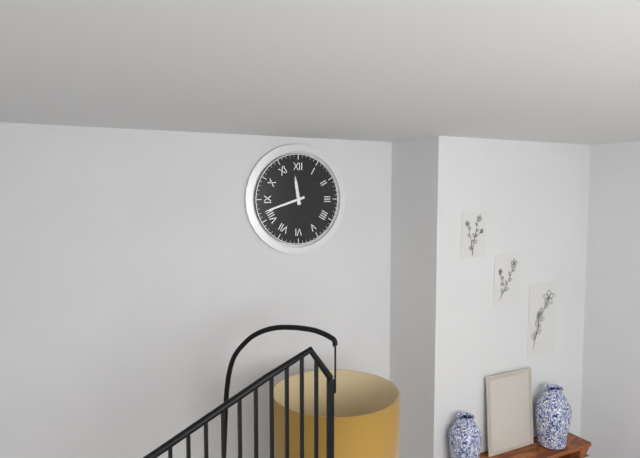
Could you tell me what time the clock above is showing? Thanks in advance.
11:42
